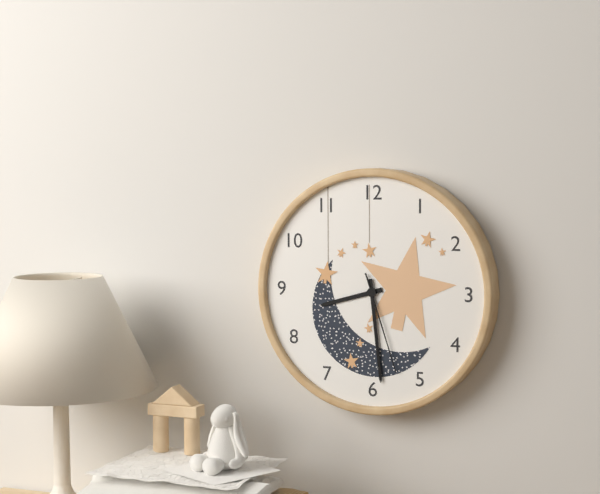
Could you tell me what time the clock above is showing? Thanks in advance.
8:29:27
